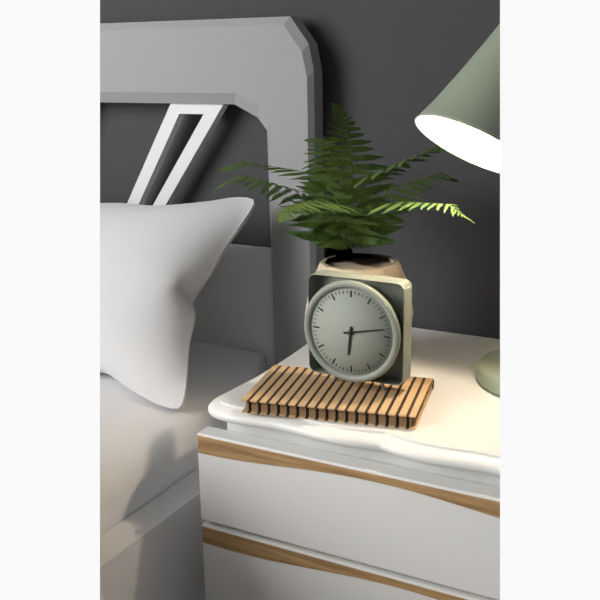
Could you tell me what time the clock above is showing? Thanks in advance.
6:13
